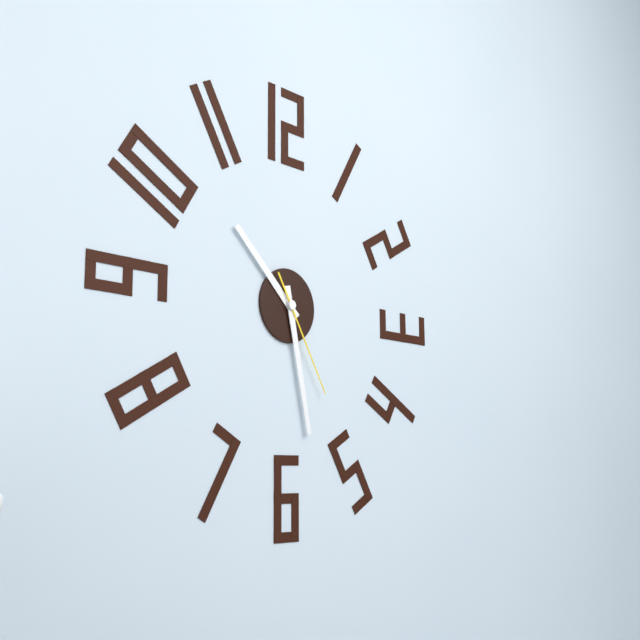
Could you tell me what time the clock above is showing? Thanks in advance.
10:28:25
